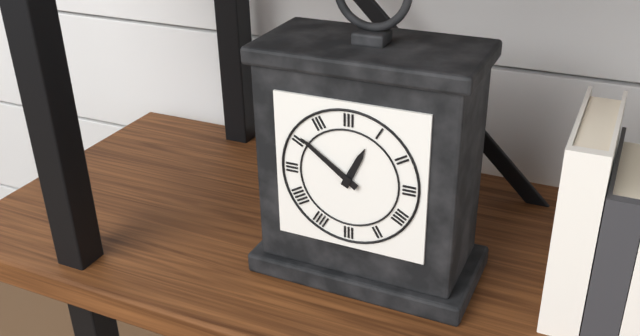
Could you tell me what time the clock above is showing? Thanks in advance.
12:51
